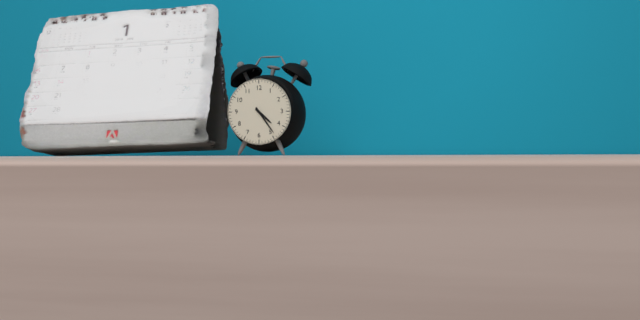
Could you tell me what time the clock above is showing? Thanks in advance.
4:24
